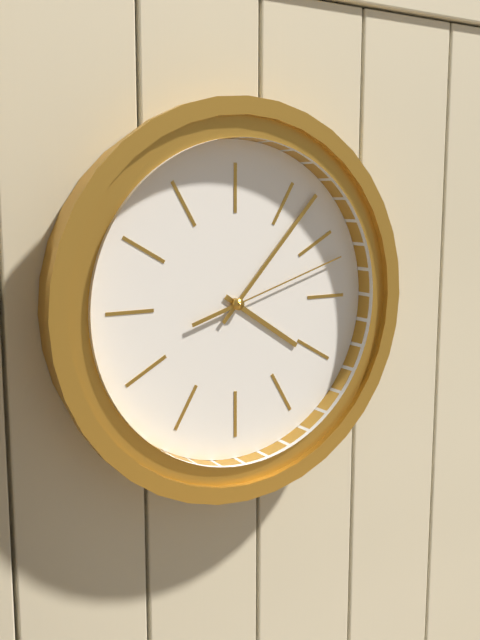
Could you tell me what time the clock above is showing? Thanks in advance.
4:07:12
